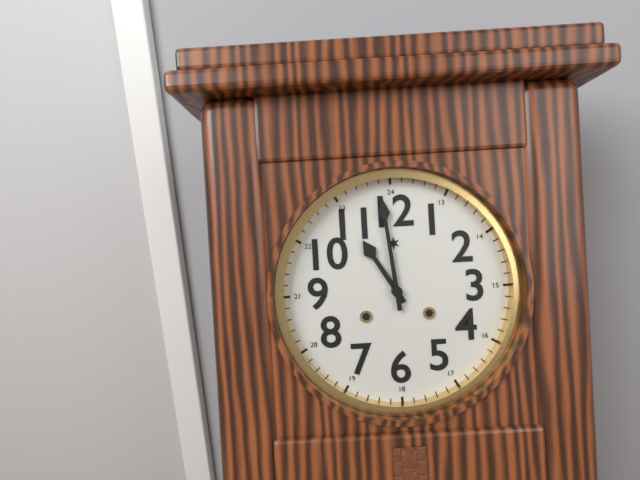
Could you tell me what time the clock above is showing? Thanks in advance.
10:59
